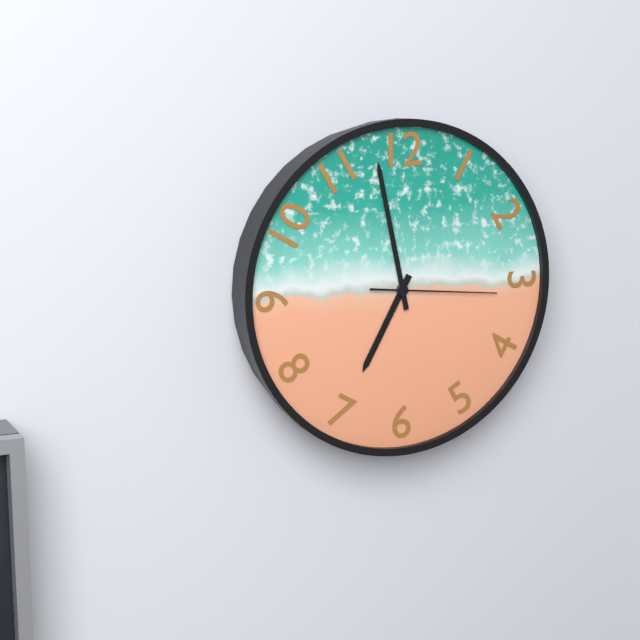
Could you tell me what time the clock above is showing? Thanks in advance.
6:58:16
